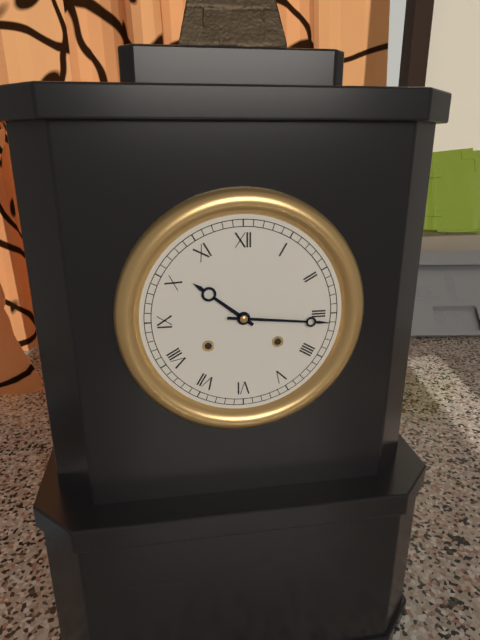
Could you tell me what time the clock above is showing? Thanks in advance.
10:16
